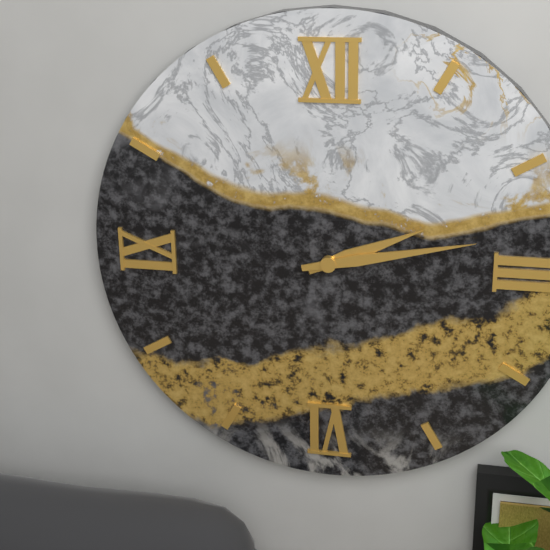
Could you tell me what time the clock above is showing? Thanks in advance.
2:13
